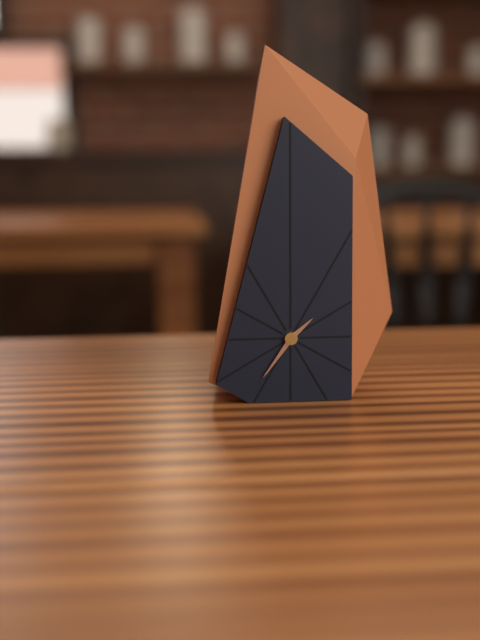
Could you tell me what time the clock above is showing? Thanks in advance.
1:36
